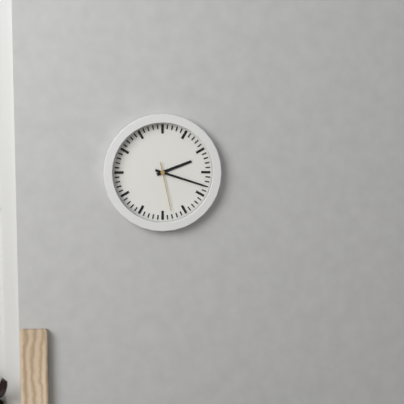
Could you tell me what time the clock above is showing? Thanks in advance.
2:18
